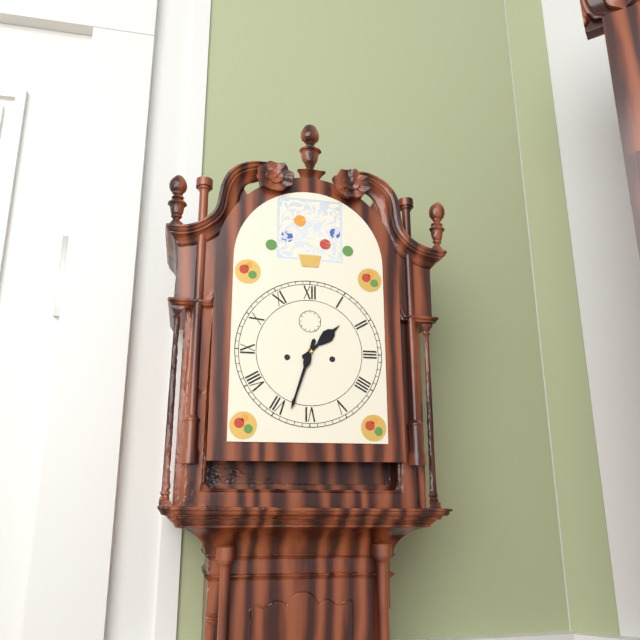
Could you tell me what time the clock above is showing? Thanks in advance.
1:33
